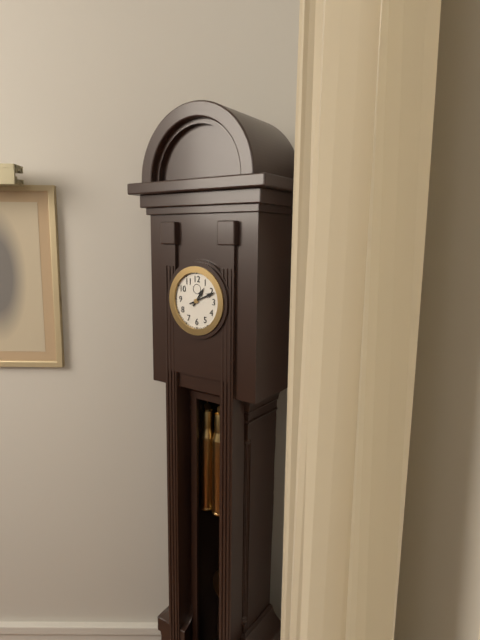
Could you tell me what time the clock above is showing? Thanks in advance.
1:11
